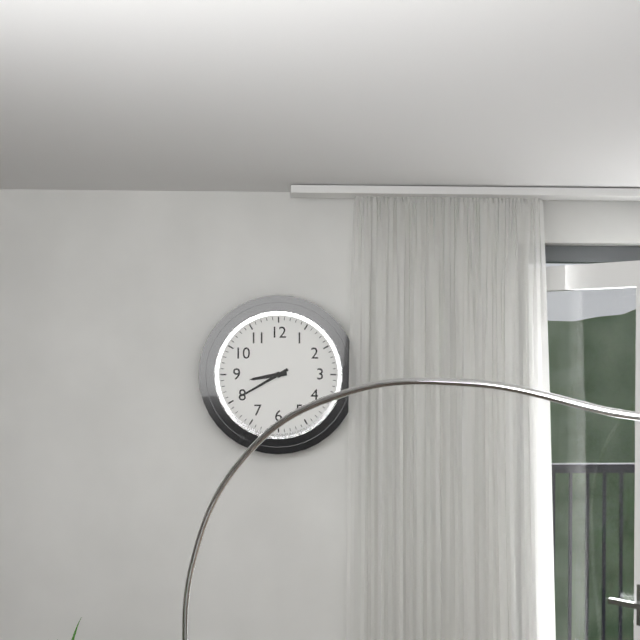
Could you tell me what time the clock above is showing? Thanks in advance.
8:40
